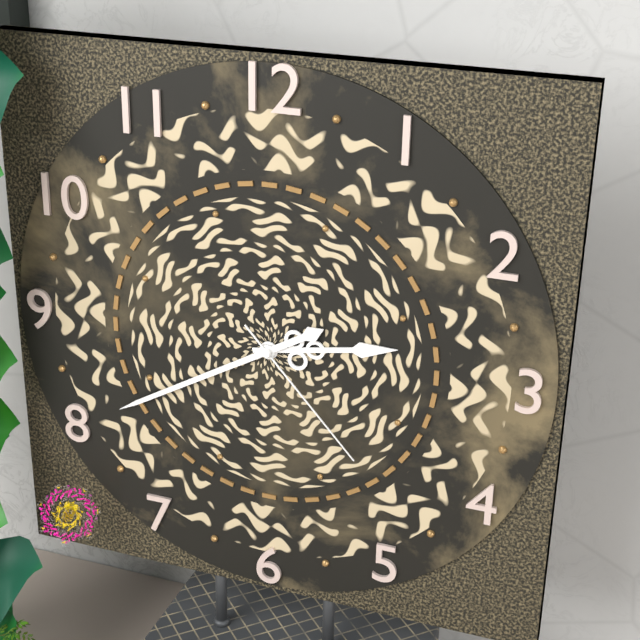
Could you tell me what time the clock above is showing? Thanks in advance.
2:40:23
